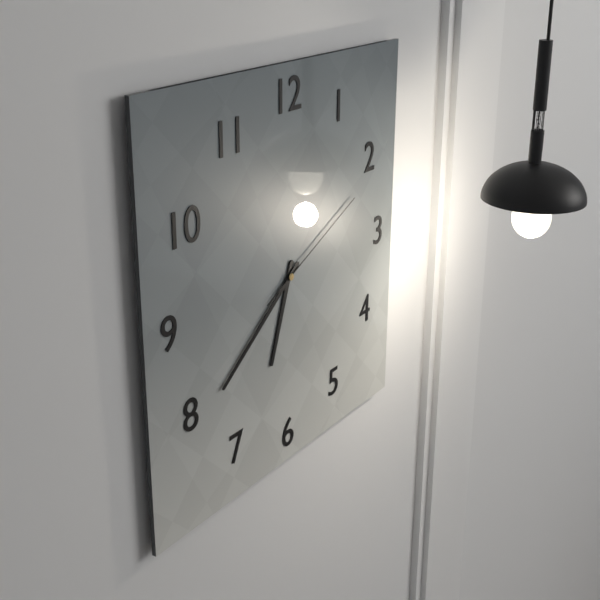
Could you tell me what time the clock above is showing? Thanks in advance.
6:39:11
